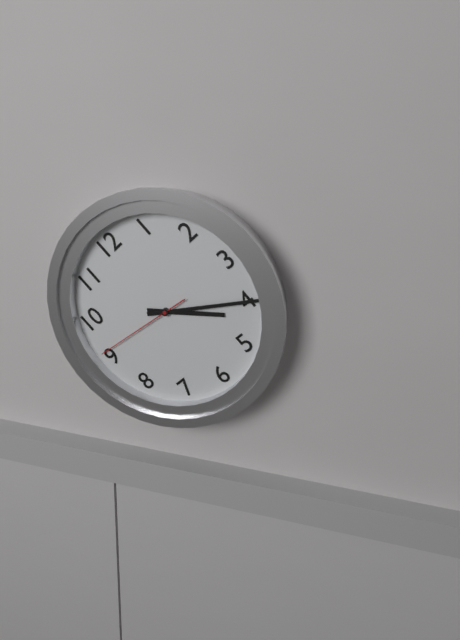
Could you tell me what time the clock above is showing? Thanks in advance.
4:20:46
